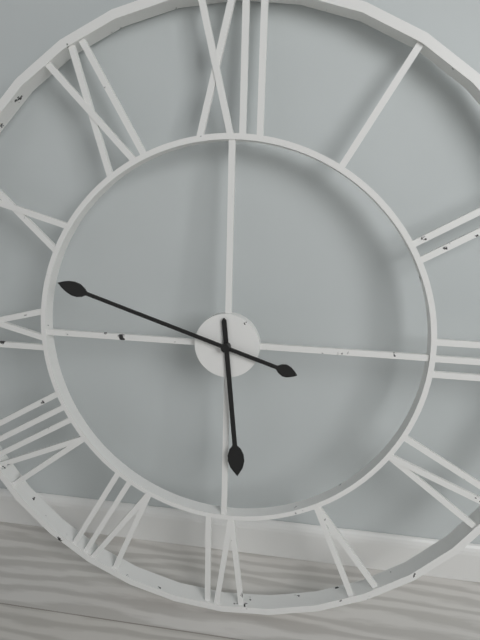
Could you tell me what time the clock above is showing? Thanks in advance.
5:48
